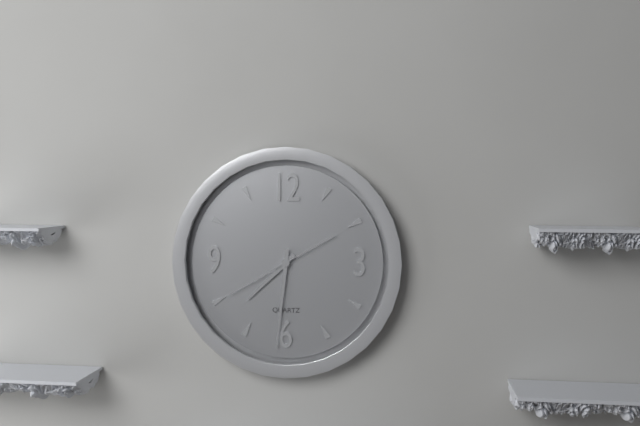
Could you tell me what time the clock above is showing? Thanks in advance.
7:31:40
